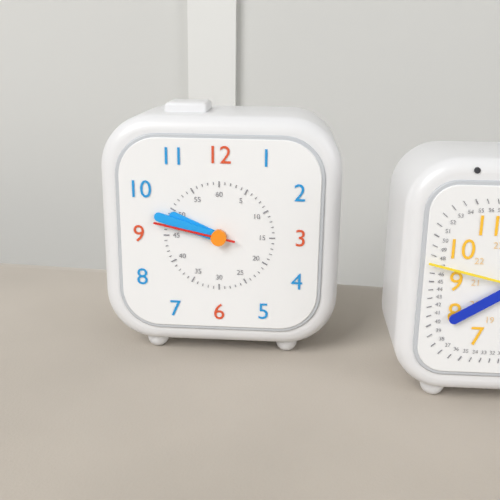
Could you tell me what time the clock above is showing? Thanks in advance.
9:48:47
